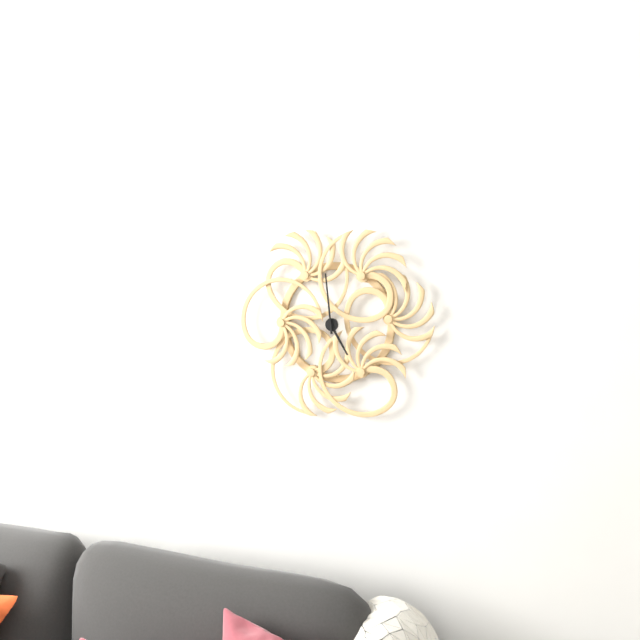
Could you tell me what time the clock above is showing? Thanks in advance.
4:59
